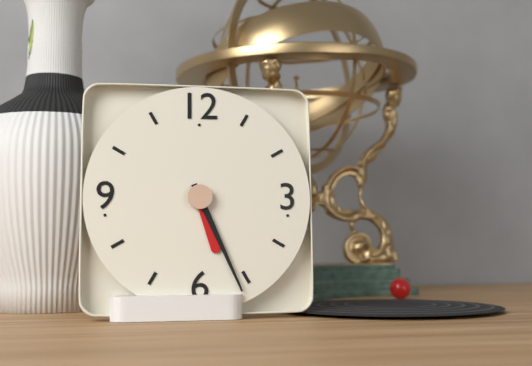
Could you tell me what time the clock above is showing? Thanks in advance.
5:26
